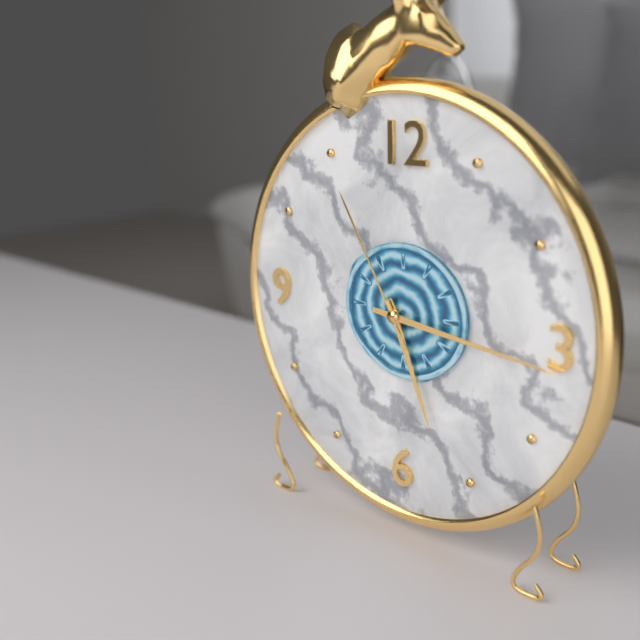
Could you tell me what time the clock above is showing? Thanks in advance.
5:16:55
